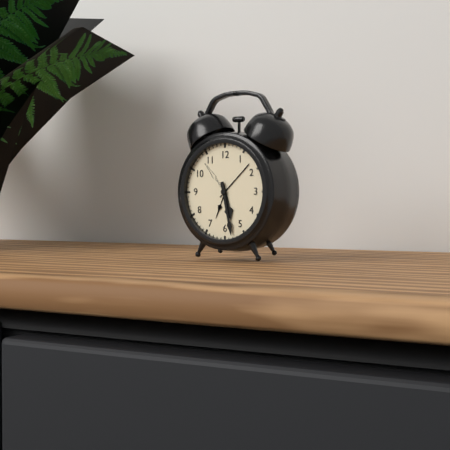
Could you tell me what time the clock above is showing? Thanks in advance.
5:28
